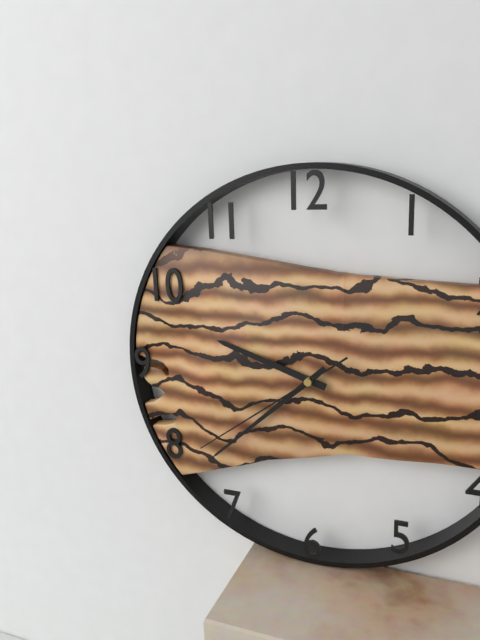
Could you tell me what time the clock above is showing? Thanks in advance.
9:38:39
